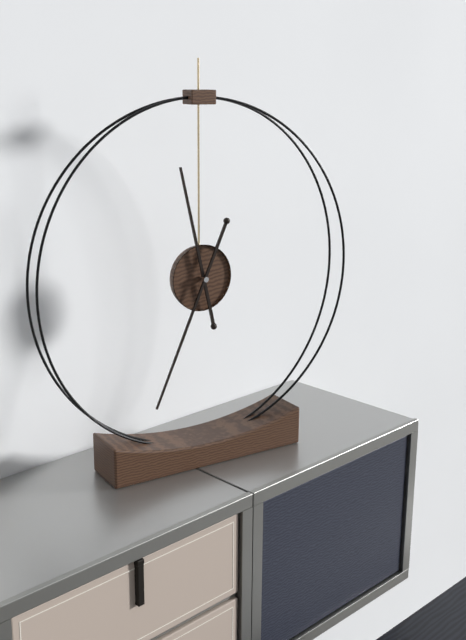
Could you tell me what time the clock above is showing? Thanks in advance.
11:34
